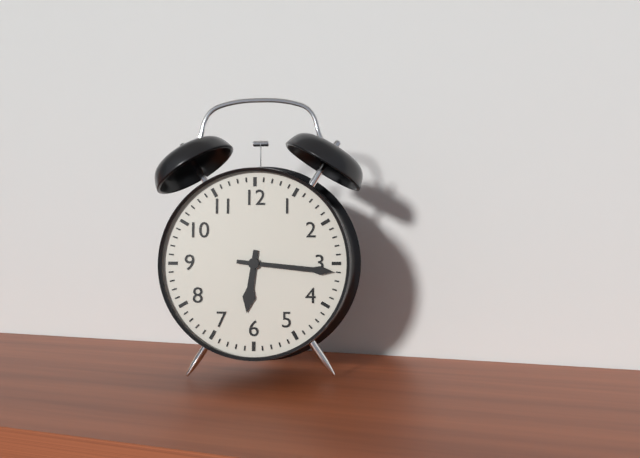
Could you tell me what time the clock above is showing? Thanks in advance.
6:16
